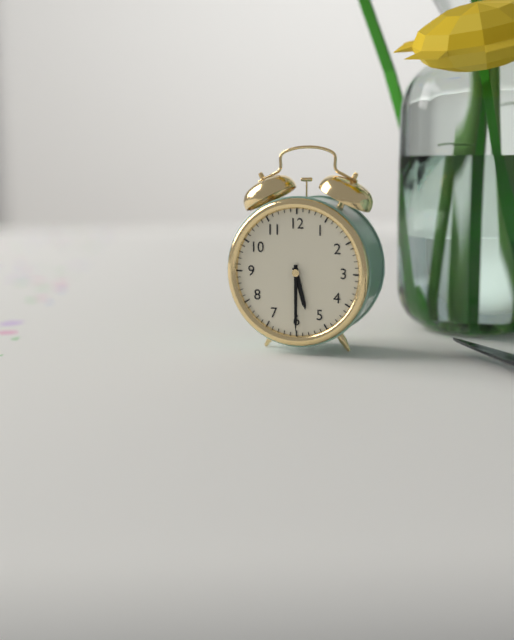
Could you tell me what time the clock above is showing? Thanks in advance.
5:30
